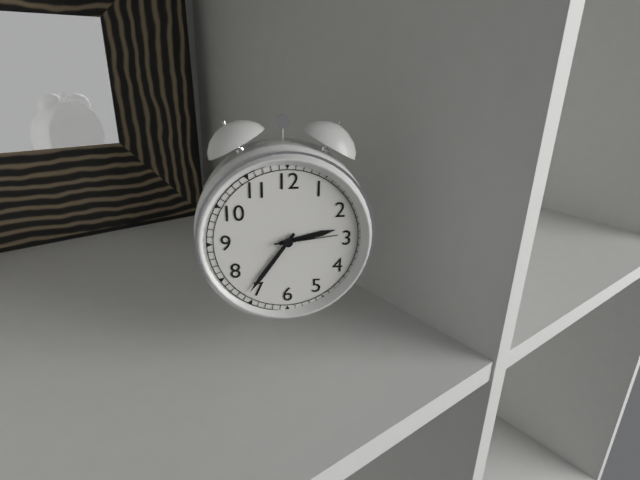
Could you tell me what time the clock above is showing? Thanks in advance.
2:36:14
